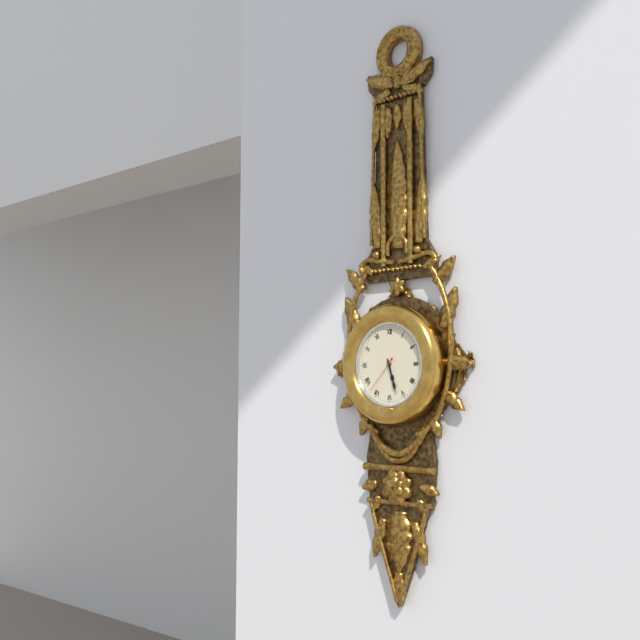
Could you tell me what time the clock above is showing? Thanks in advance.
5:27:37
